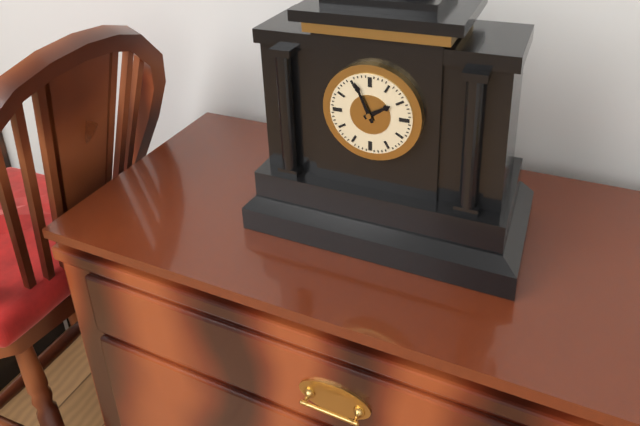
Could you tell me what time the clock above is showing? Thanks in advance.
1:56
